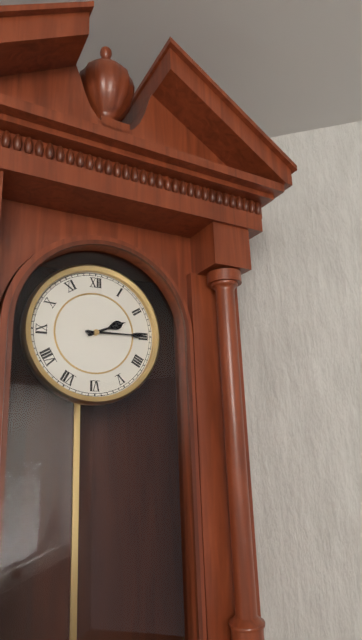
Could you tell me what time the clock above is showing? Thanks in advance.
2:15
